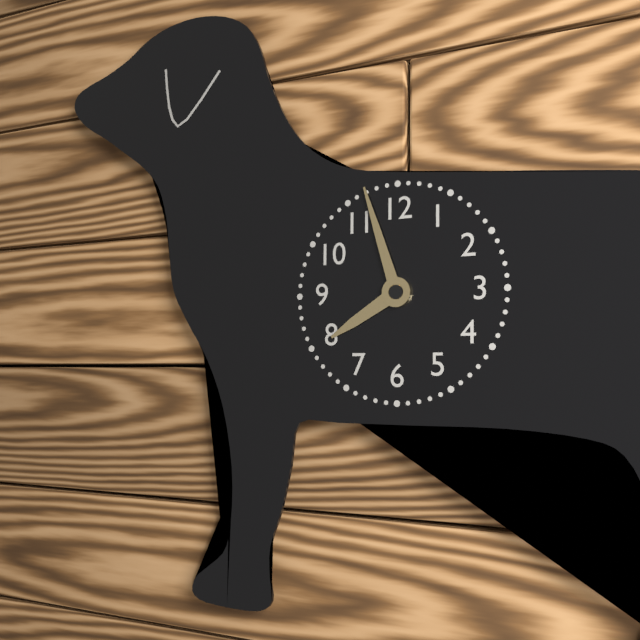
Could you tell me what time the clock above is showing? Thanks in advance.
7:57
